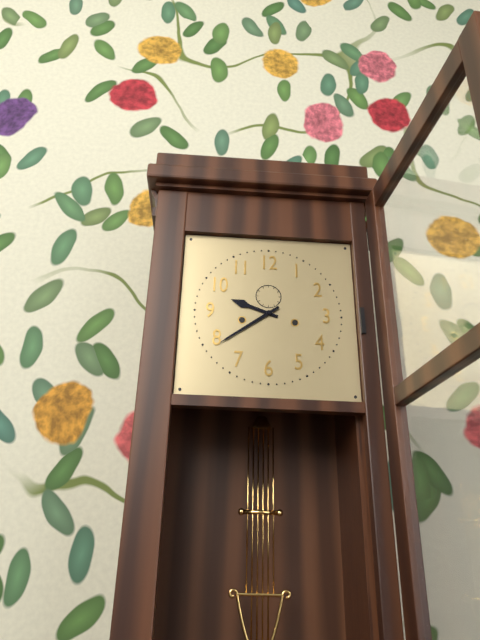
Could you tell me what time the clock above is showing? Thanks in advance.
9:39
